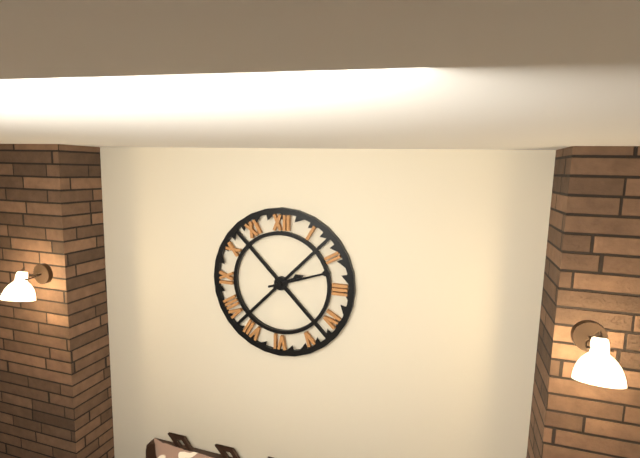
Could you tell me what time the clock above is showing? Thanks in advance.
2:12
